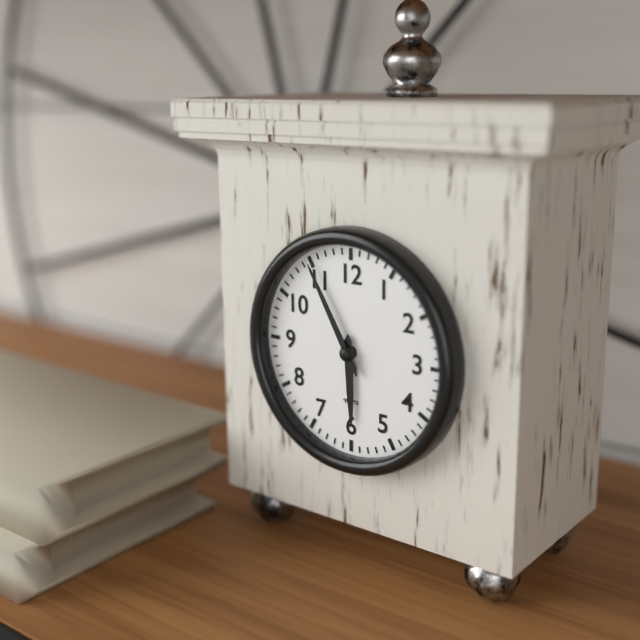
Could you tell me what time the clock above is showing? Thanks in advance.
5:55
